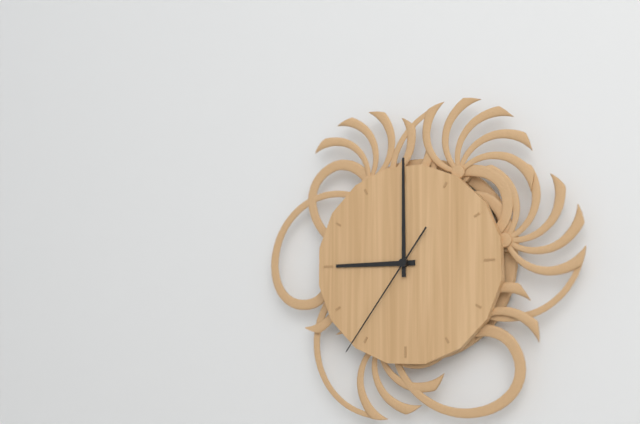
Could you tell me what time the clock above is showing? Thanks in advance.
9:00:36
